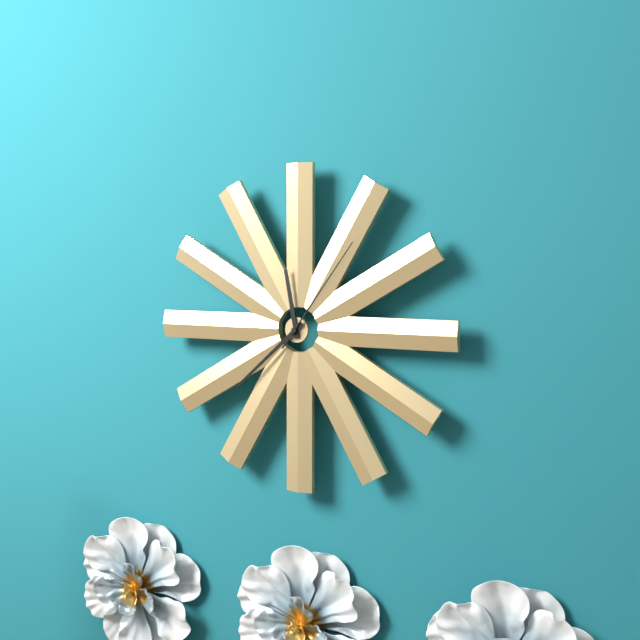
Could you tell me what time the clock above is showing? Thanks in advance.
11:38:06
